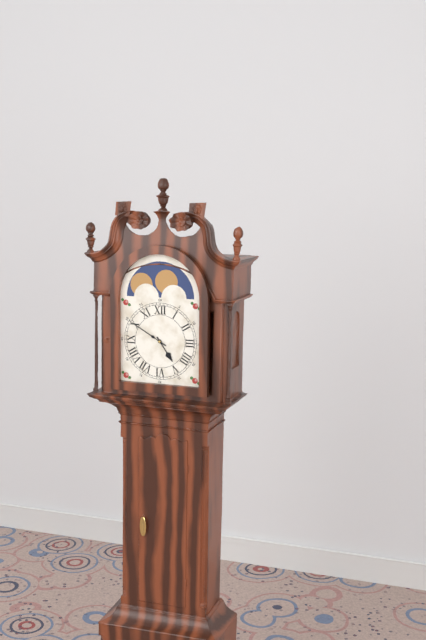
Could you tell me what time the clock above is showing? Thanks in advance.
4:50
